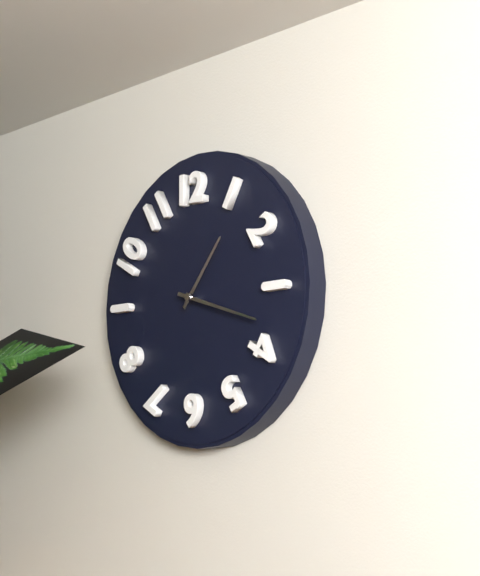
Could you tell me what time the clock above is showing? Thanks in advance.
1:18
